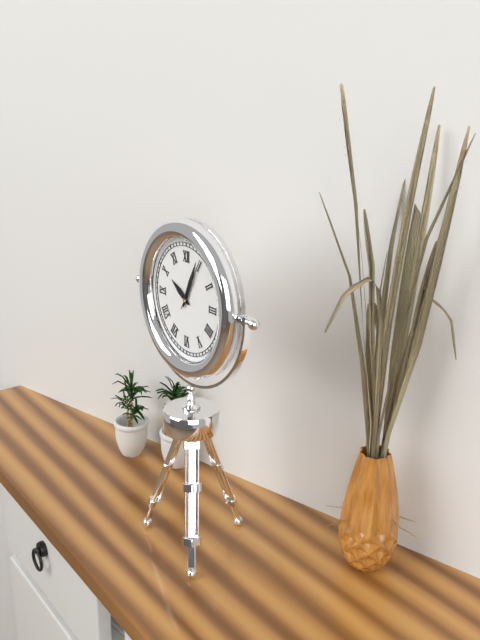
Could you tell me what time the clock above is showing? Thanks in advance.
10:04
